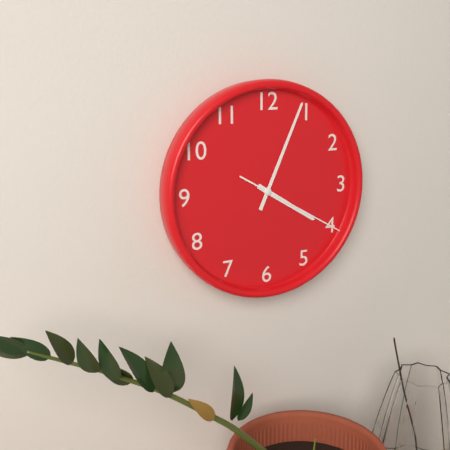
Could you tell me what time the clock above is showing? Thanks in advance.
4:04:20
